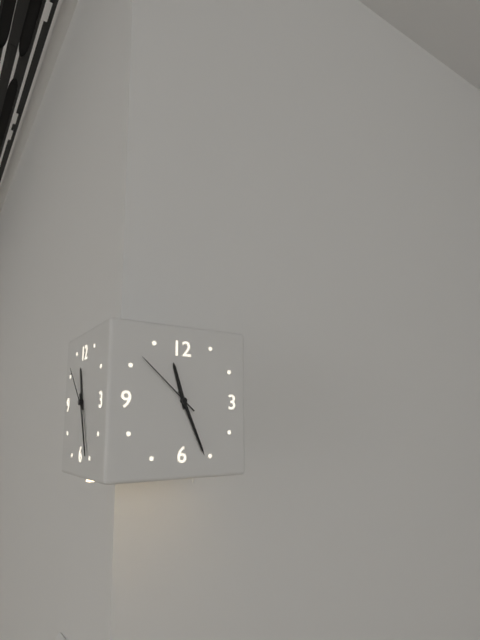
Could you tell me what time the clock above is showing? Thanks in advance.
11:26:52
